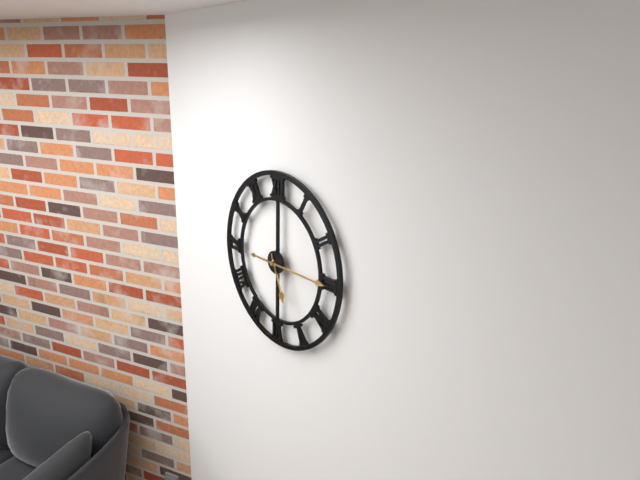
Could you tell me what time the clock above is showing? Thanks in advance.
5:15
